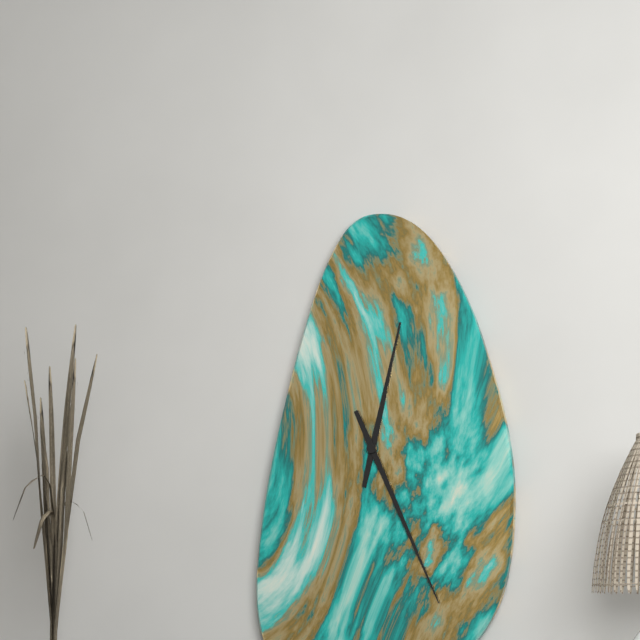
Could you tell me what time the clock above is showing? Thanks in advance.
12:26
